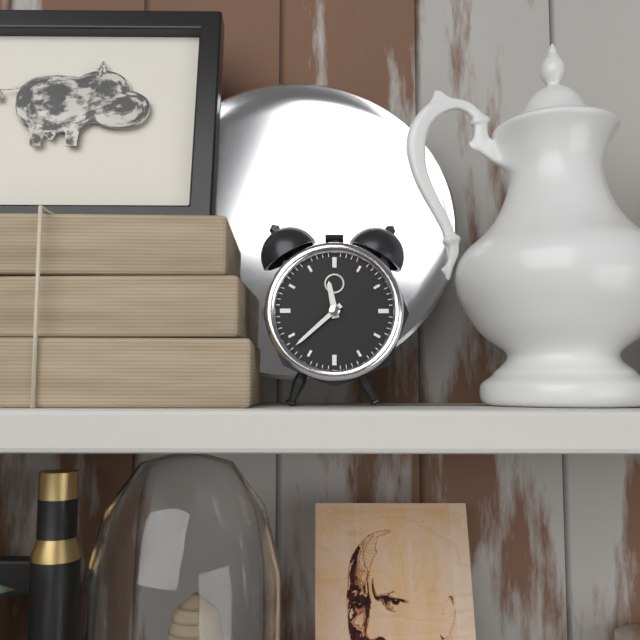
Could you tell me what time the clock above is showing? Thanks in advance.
11:38
